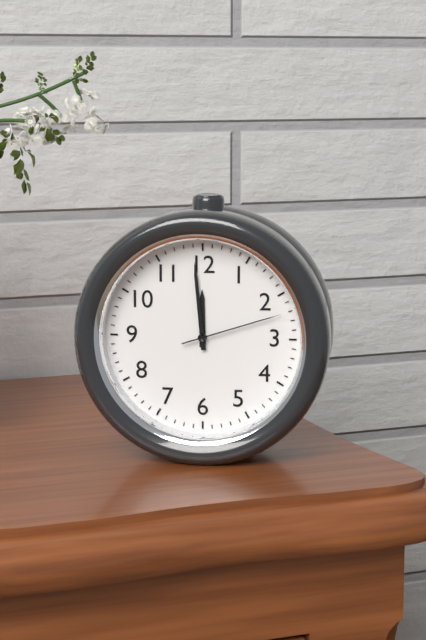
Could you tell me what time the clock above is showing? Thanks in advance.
11:59:12
